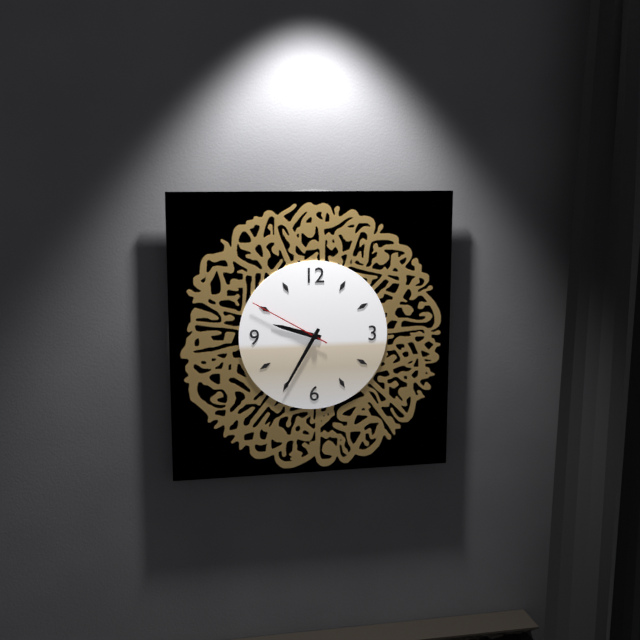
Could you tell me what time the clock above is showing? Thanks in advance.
9:35:50
